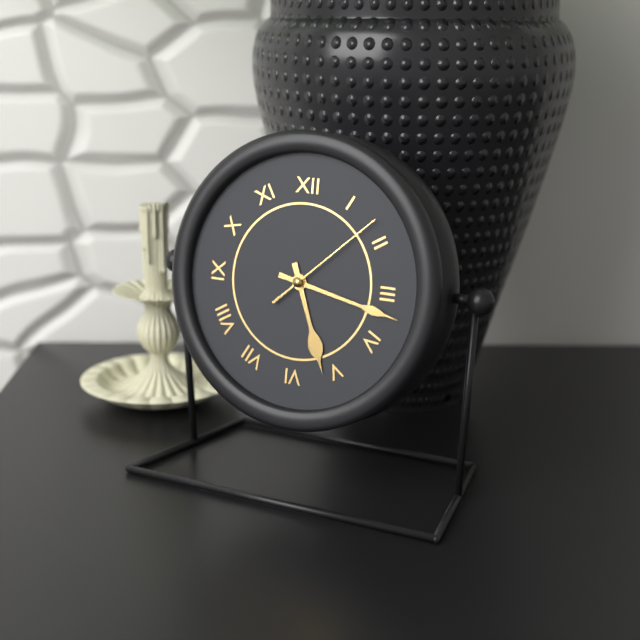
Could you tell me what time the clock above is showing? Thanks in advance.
5:17:08
